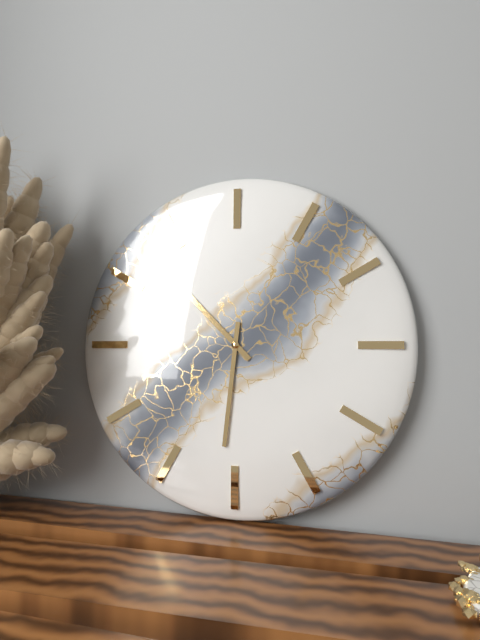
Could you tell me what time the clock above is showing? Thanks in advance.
10:31
